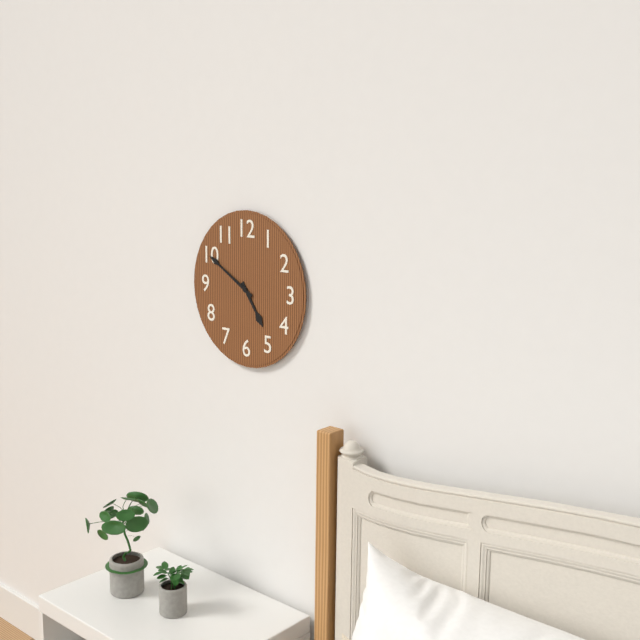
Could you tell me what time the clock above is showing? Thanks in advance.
4:50
